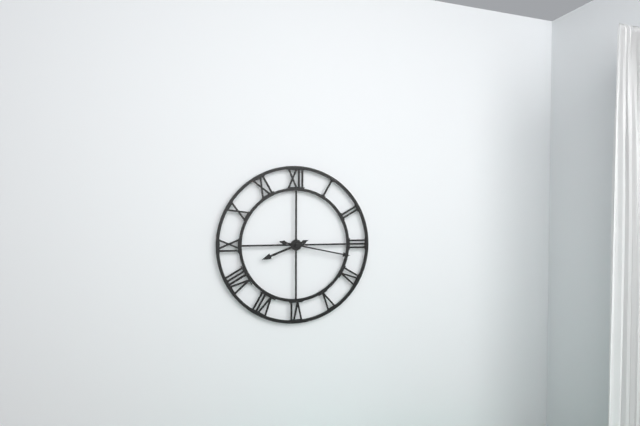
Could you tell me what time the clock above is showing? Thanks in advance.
8:17
